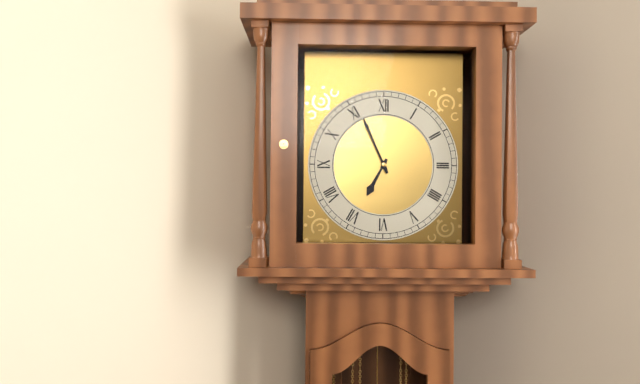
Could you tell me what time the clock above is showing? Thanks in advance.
6:56
